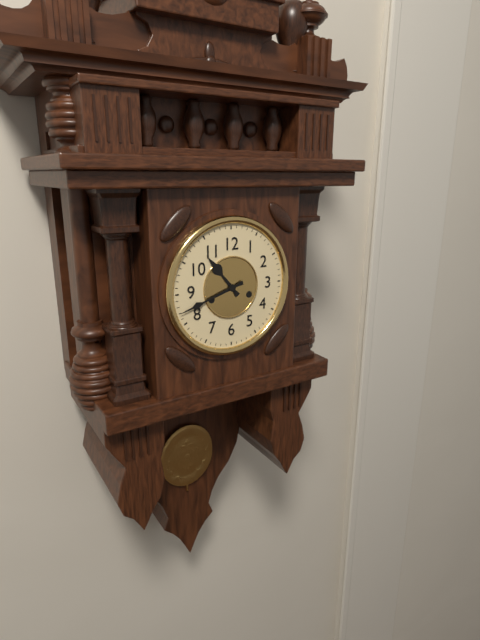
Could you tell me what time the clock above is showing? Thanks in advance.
10:42
